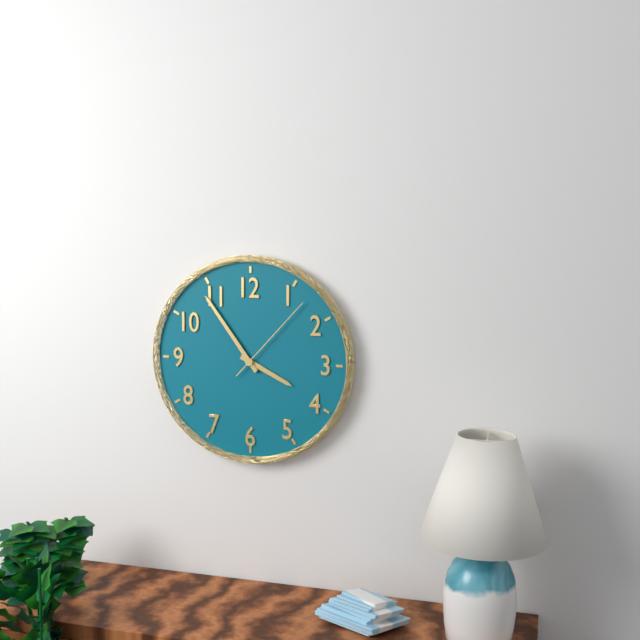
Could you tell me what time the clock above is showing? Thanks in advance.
3:54:07
